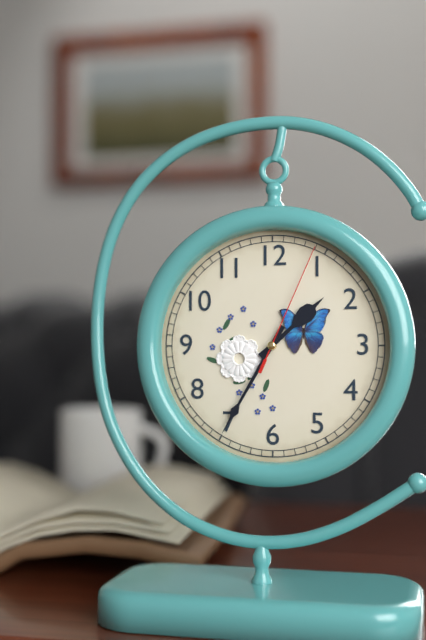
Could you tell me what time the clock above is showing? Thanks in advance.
1:35:04
